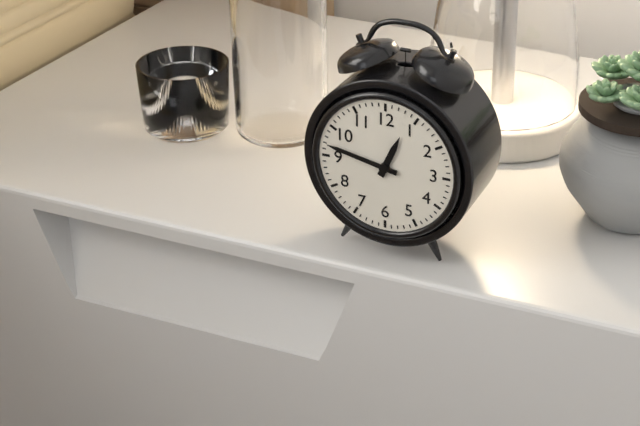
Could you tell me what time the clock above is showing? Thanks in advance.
12:47
